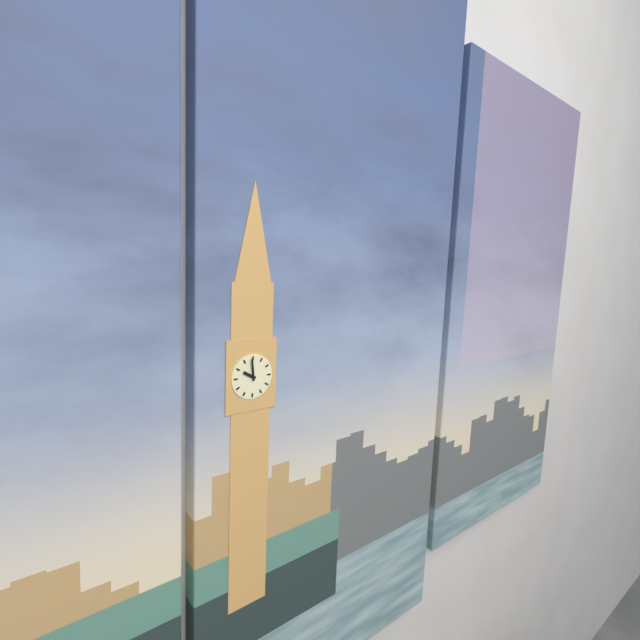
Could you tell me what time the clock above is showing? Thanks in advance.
9:59
